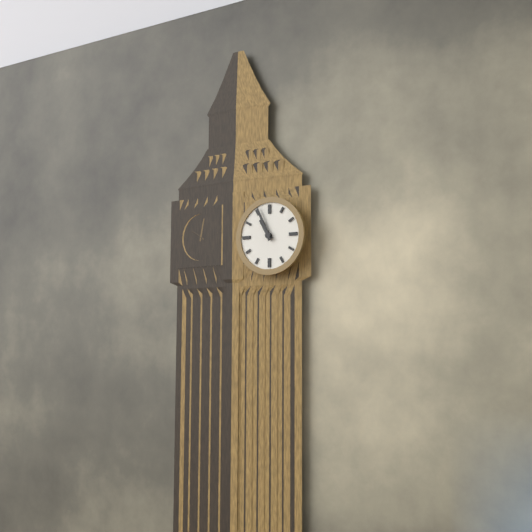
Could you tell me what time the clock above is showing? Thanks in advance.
10:56
